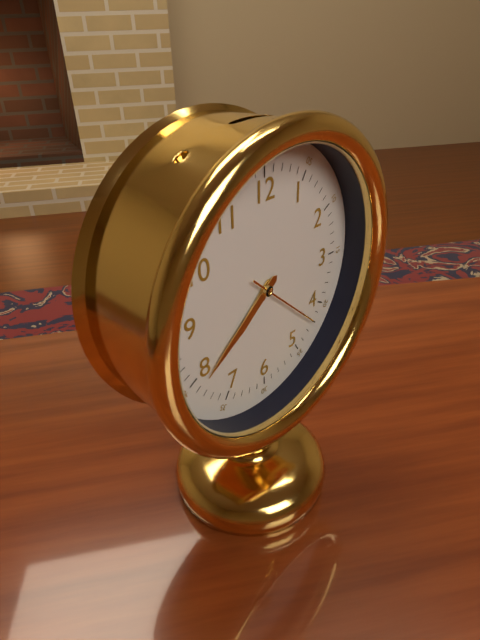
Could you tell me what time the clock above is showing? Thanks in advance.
7:39:22
